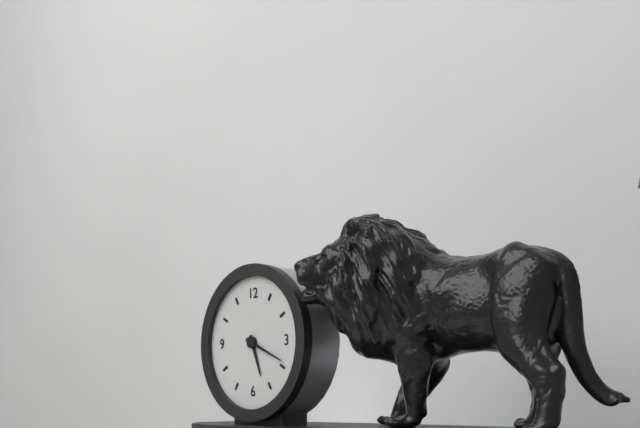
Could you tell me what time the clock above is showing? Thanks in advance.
5:19
